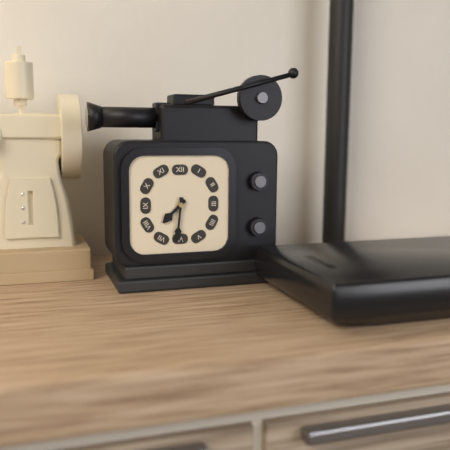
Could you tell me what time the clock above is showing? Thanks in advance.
7:31
